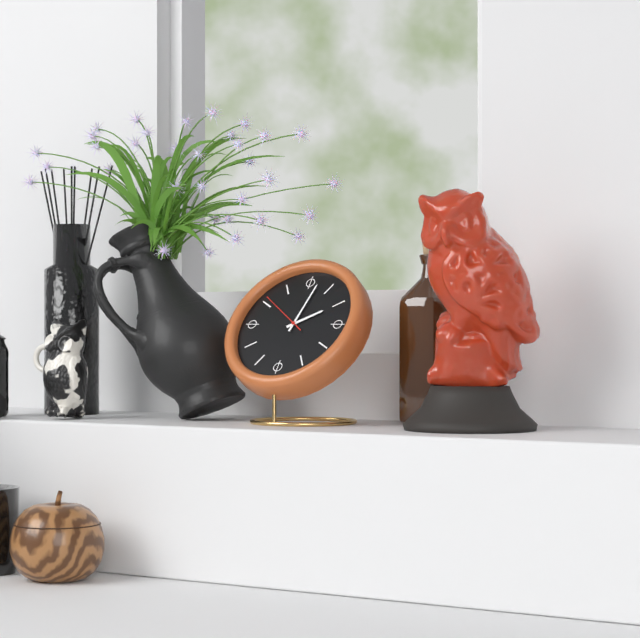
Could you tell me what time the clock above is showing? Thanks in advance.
2:02
